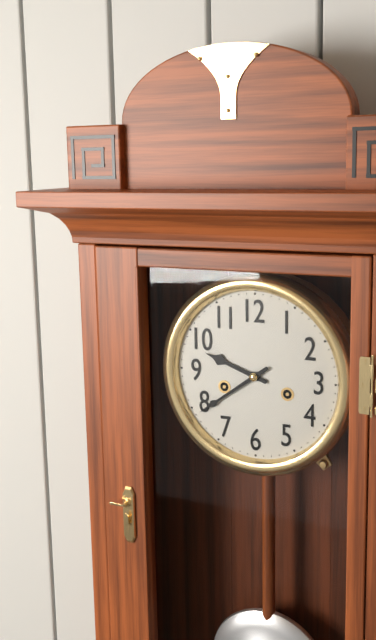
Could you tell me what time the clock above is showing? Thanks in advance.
9:39
